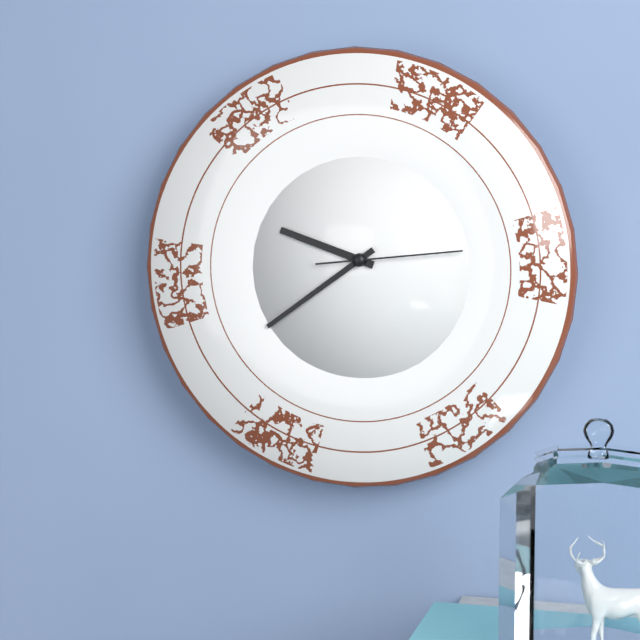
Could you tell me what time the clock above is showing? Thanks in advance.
9:39:14
